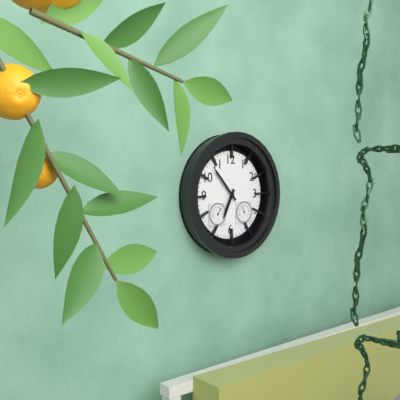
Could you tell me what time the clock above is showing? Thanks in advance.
6:53
